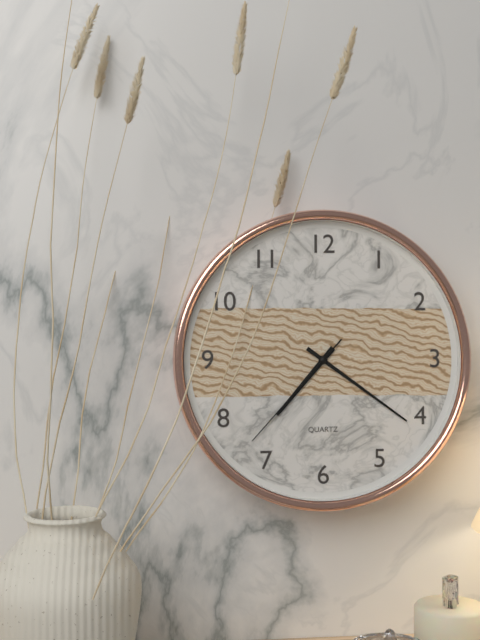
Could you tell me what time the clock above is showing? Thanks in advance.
7:21:37
